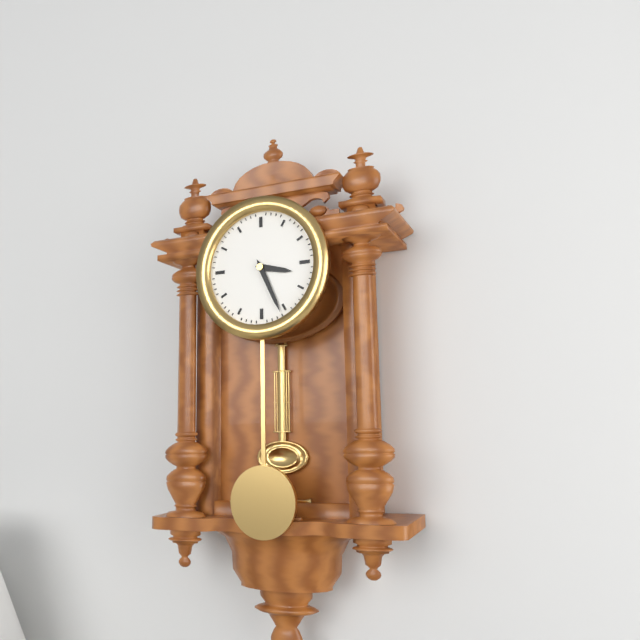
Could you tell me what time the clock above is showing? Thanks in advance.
3:26
